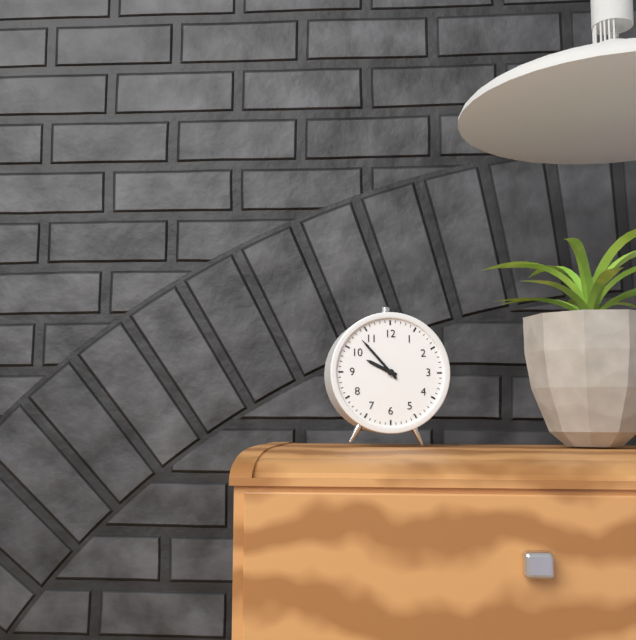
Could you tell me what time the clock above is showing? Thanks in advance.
9:53
